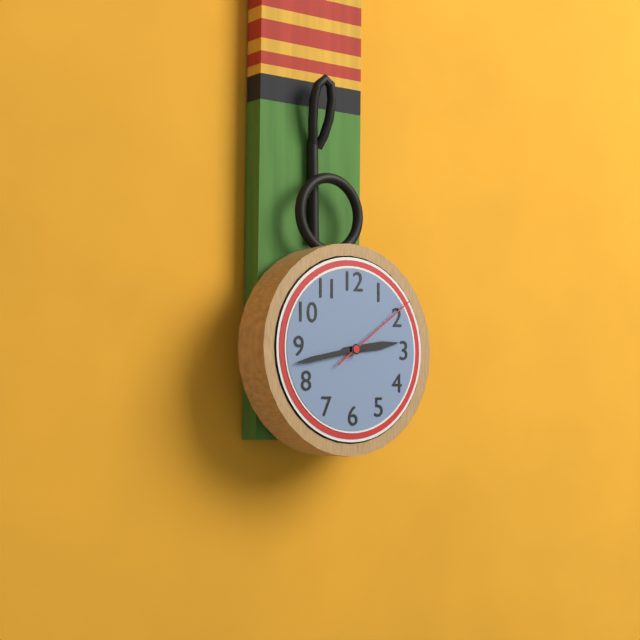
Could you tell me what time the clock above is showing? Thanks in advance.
2:43:09
